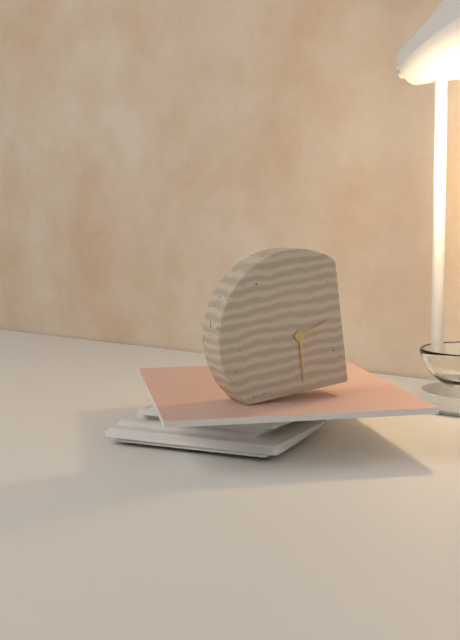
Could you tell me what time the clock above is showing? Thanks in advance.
2:30
